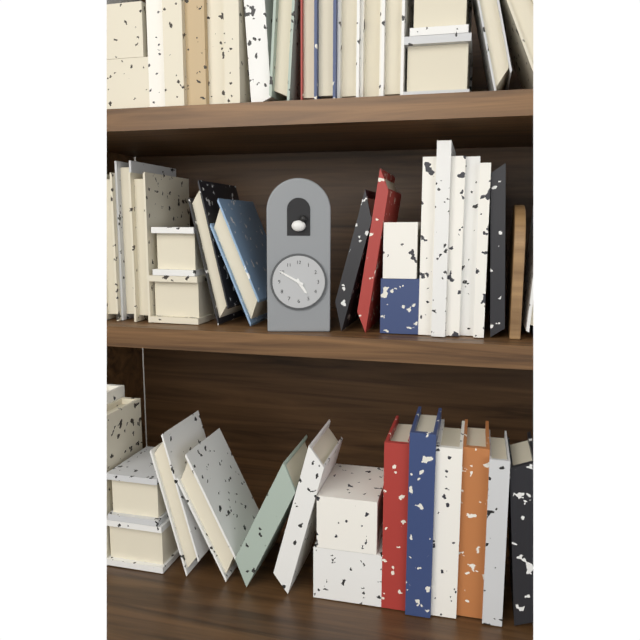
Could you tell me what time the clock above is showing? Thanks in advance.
4:50
